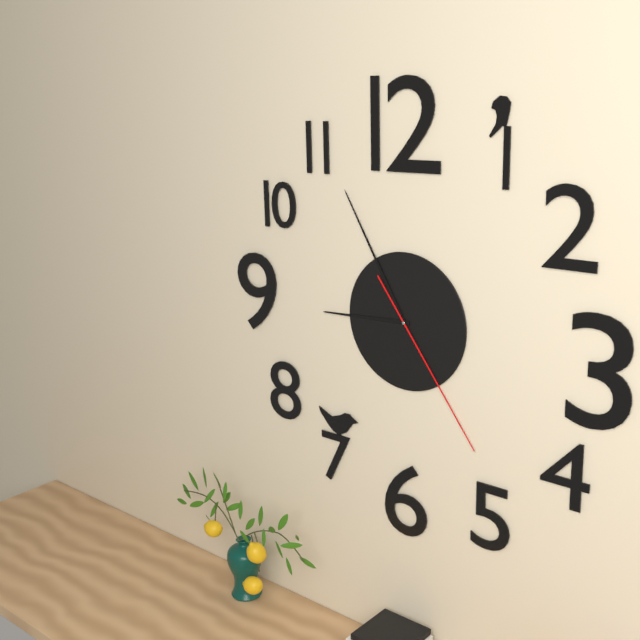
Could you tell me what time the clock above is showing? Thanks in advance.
8:55:24
